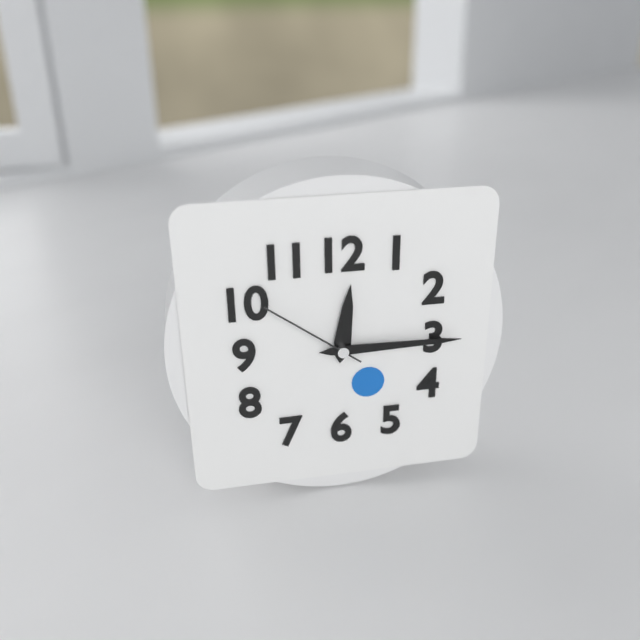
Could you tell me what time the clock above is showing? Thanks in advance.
12:15:51
